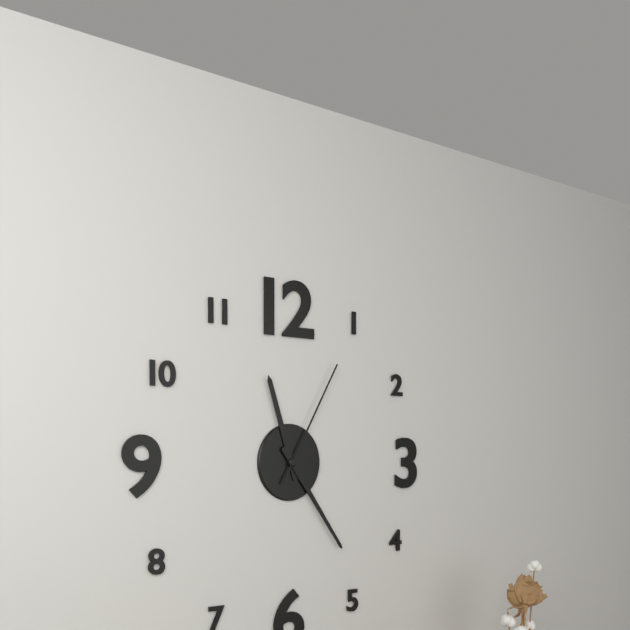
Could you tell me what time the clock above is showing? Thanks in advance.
11:24:05
